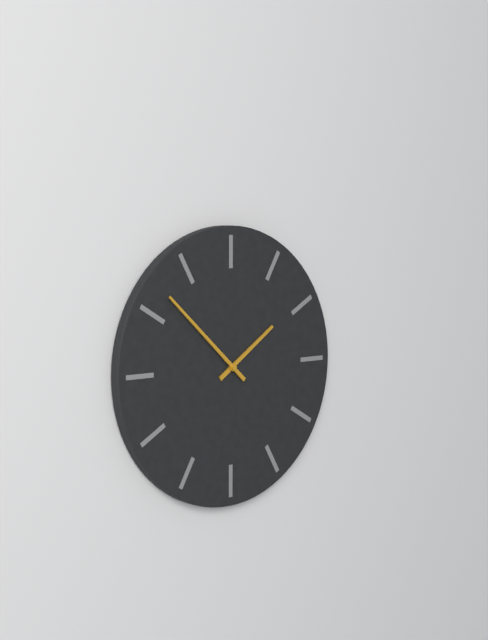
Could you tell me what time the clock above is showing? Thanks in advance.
1:52
